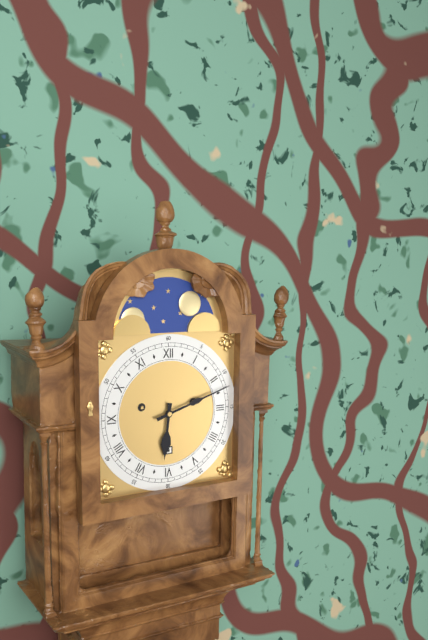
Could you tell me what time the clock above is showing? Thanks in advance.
6:12
